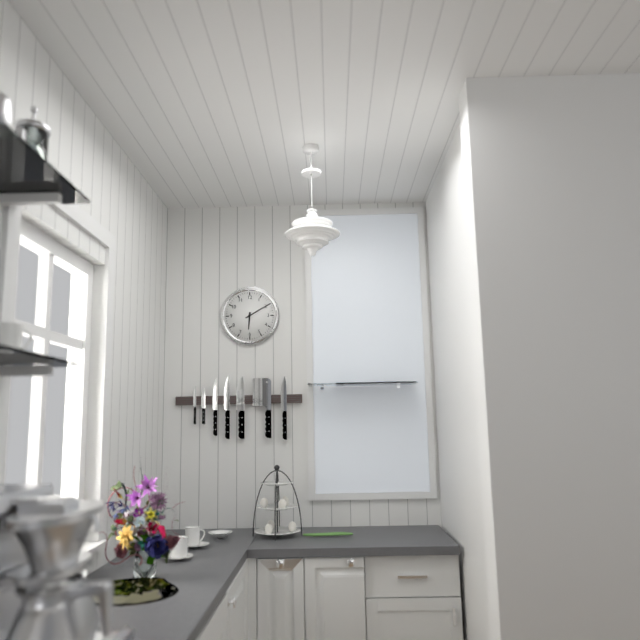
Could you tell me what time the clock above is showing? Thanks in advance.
6:10
